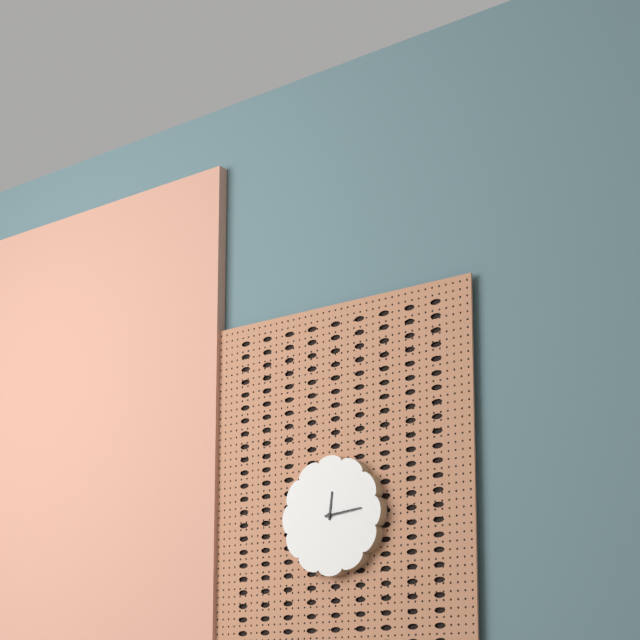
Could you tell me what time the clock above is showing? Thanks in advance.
12:14
